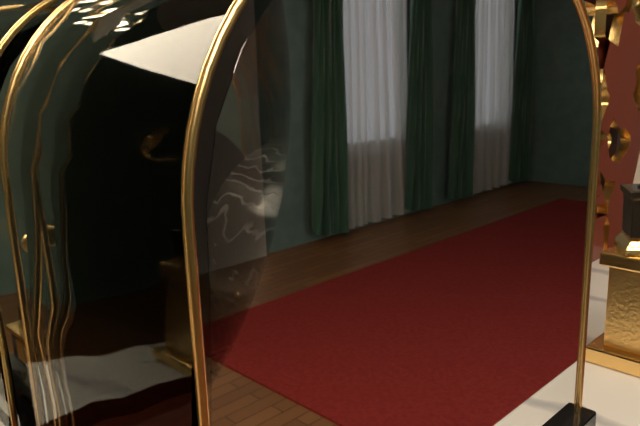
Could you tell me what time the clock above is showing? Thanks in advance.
12:42
